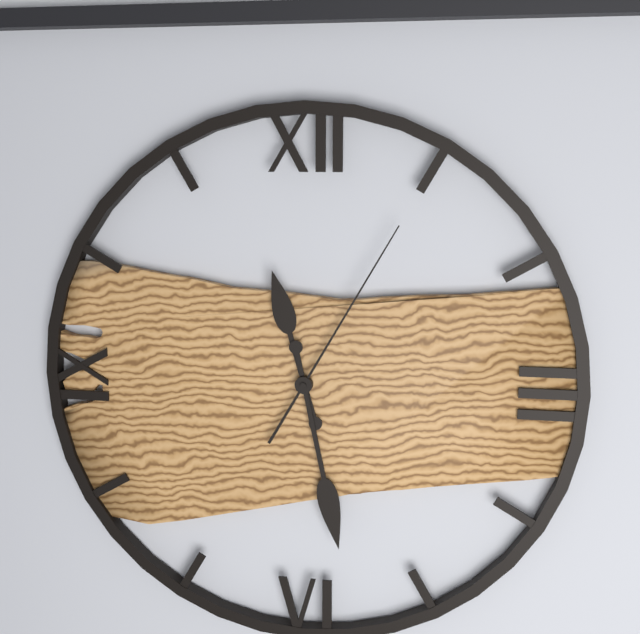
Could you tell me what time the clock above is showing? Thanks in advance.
11:28:05
